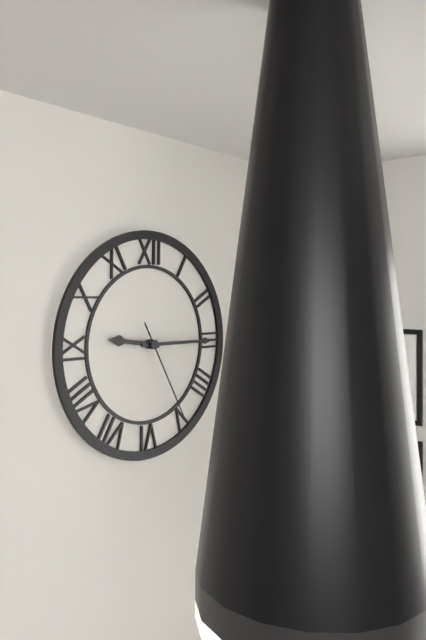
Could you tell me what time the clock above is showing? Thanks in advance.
9:15:25
